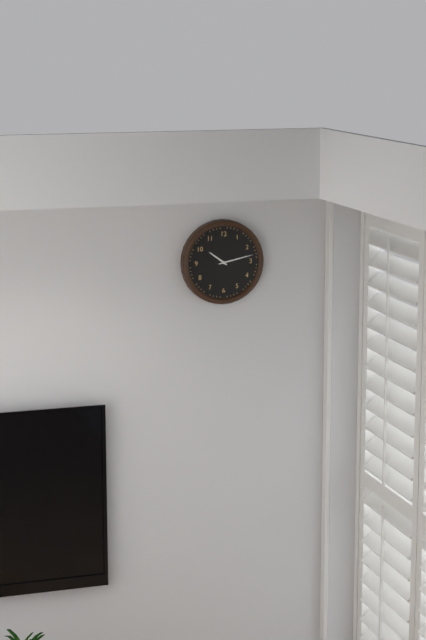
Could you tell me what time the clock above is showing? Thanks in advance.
10:13
